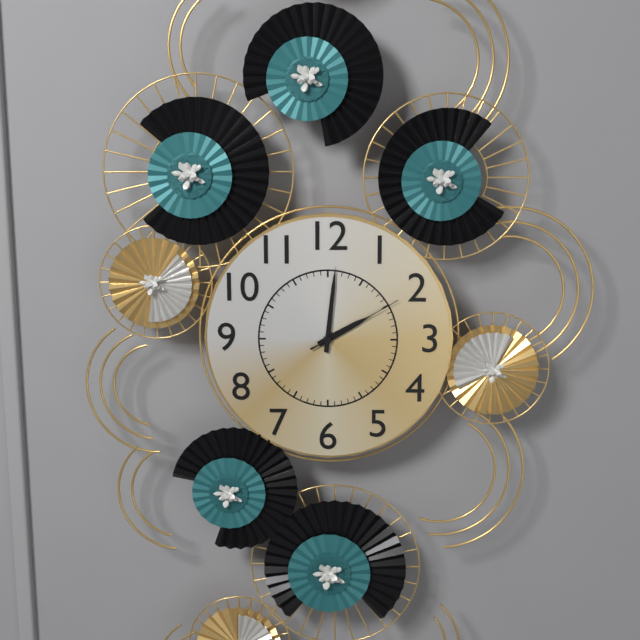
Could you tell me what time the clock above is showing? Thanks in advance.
2:01:10
